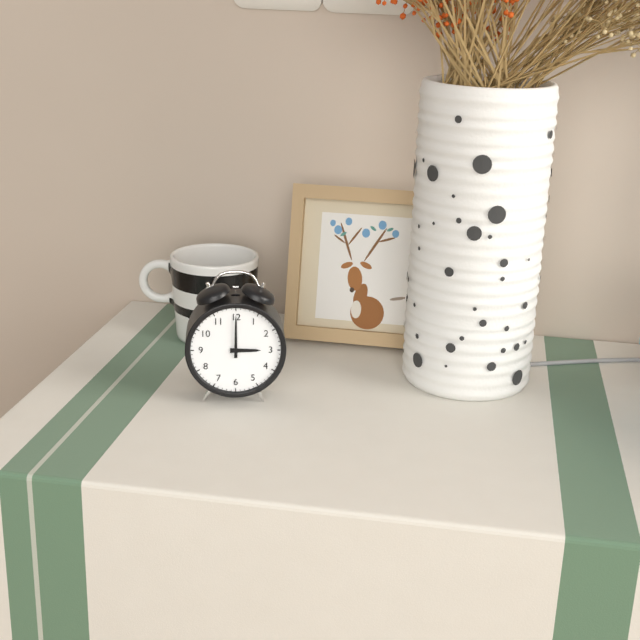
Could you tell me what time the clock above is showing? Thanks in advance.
3:00
